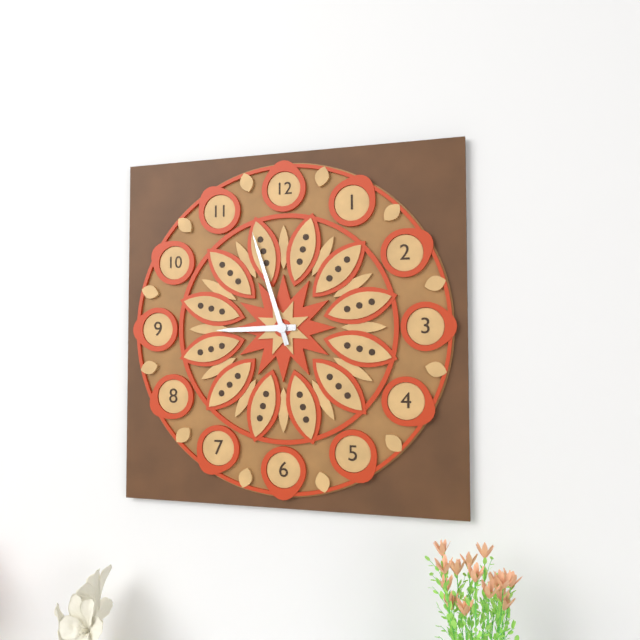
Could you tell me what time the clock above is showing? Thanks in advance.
8:57
